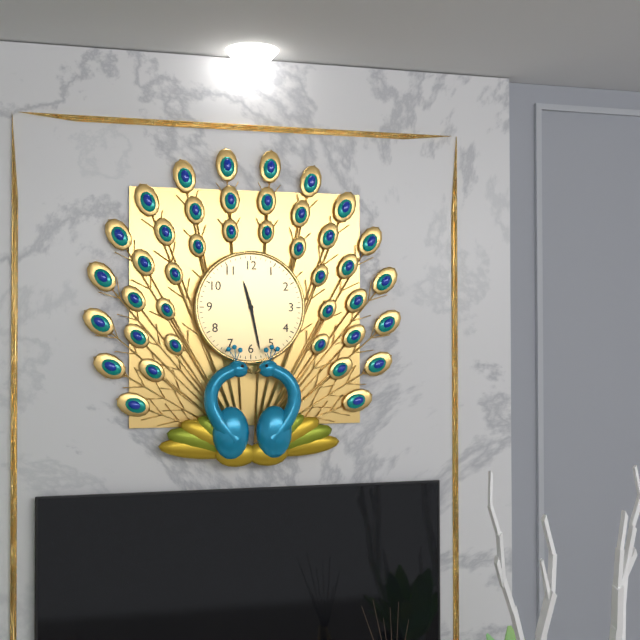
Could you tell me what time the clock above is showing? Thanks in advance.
11:28
